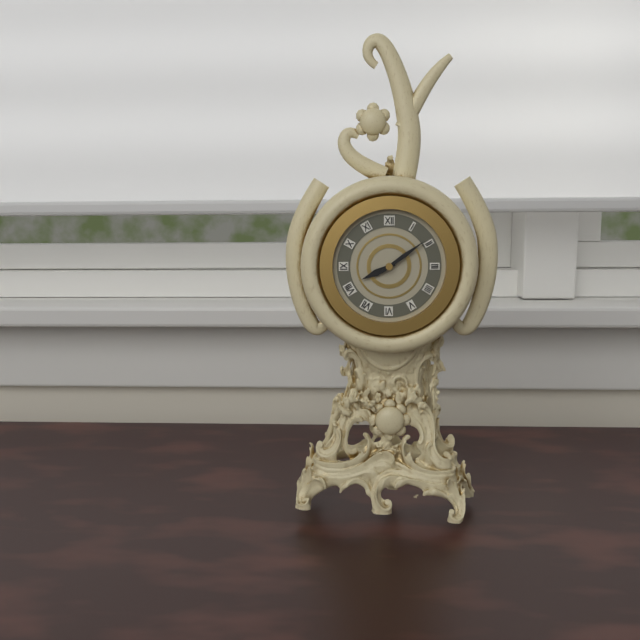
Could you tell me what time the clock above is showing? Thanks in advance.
8:09
